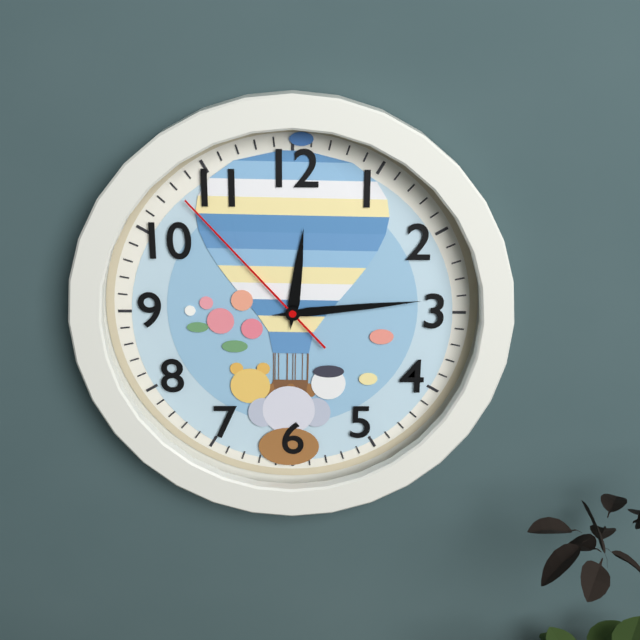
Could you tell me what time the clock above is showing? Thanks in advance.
12:14:53
